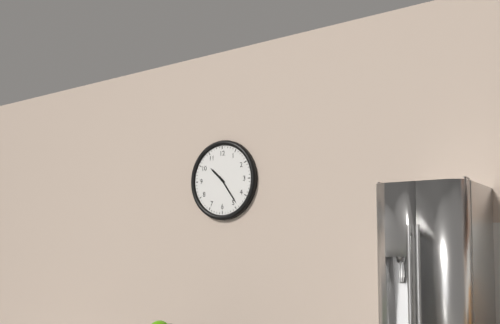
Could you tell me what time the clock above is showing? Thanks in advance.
10:24
